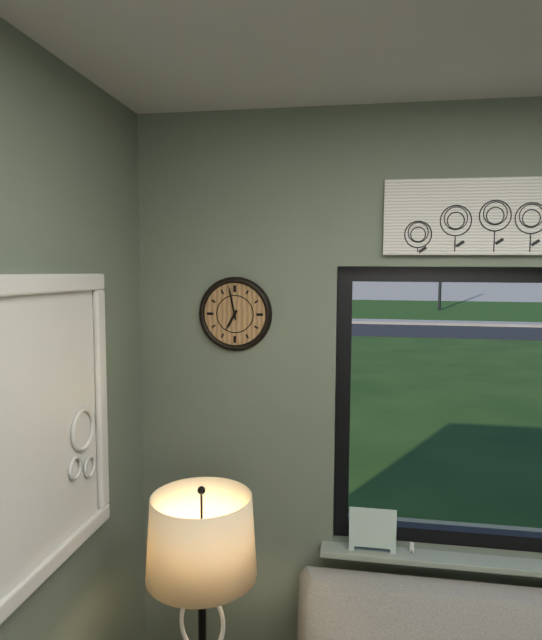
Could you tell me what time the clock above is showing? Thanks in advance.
6:58
